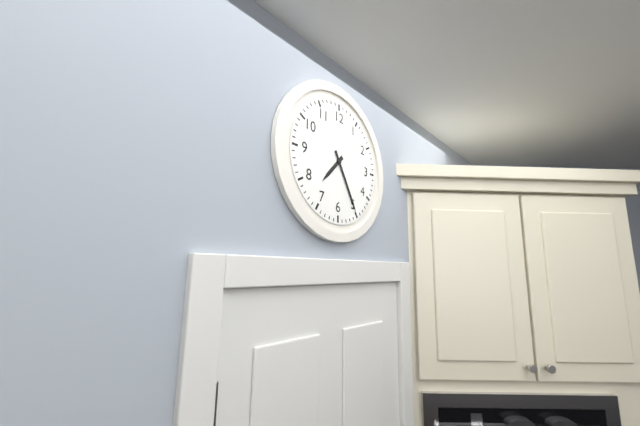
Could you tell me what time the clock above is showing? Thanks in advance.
7:25
